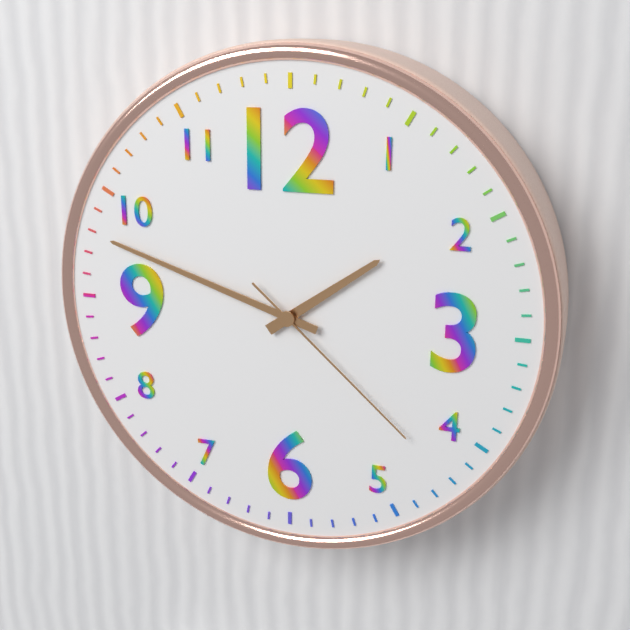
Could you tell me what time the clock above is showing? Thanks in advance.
1:48:22
